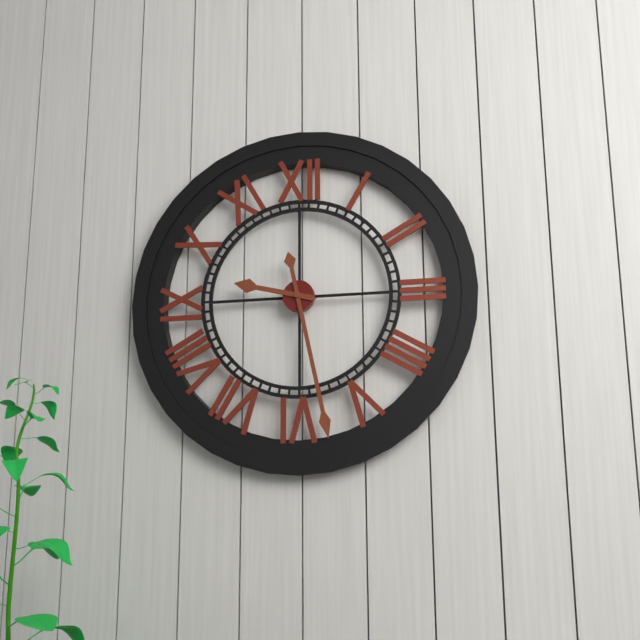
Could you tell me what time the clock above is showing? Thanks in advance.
9:28
